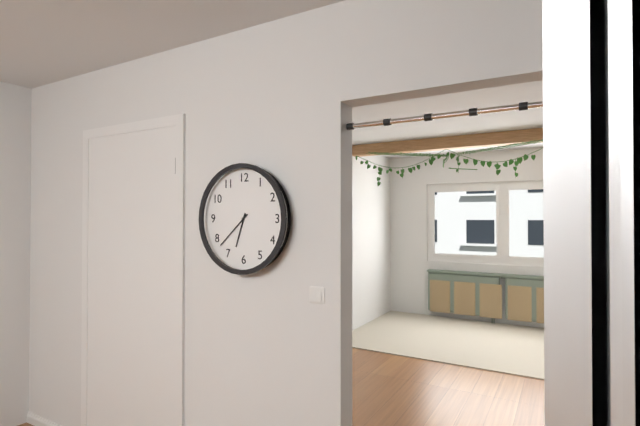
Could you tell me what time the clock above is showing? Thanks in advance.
6:38
